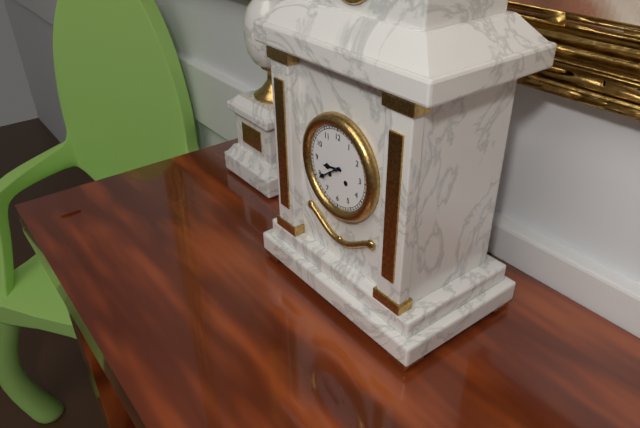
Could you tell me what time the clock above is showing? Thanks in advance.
8:39
